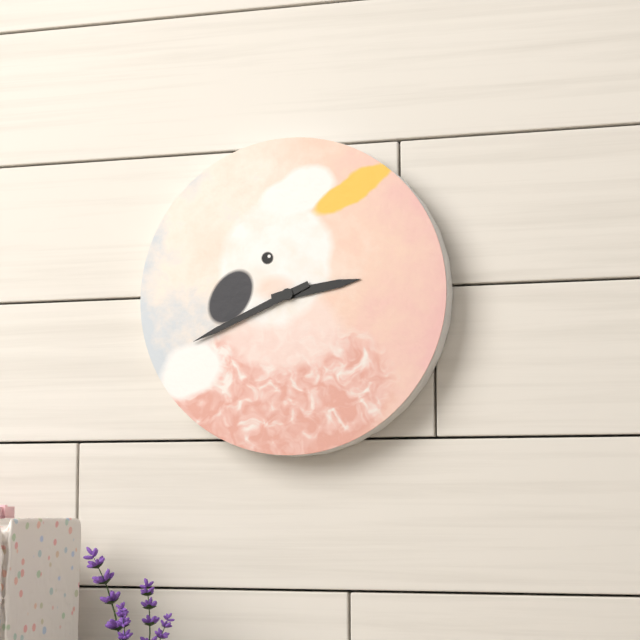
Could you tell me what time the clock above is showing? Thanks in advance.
2:41
